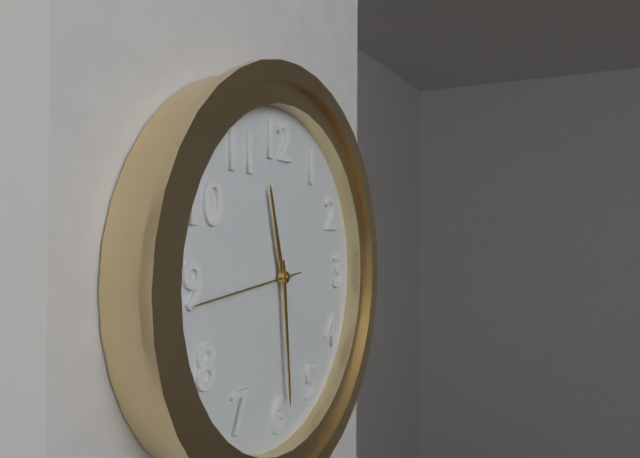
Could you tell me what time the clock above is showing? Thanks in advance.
11:29:44
